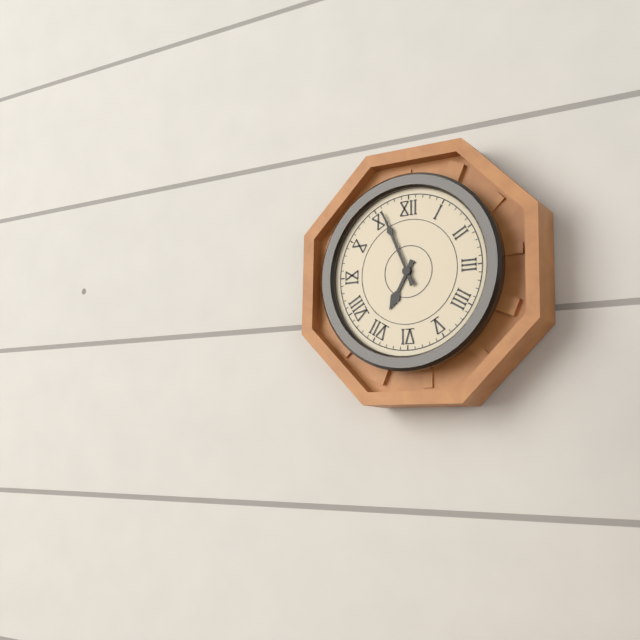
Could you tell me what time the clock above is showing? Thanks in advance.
6:56
